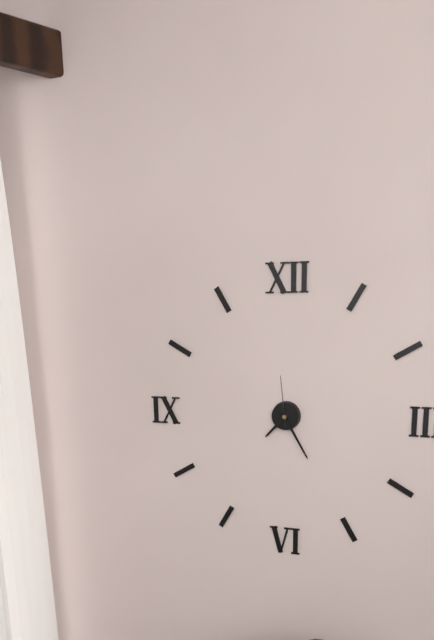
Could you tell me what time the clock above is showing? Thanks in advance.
7:25:59
